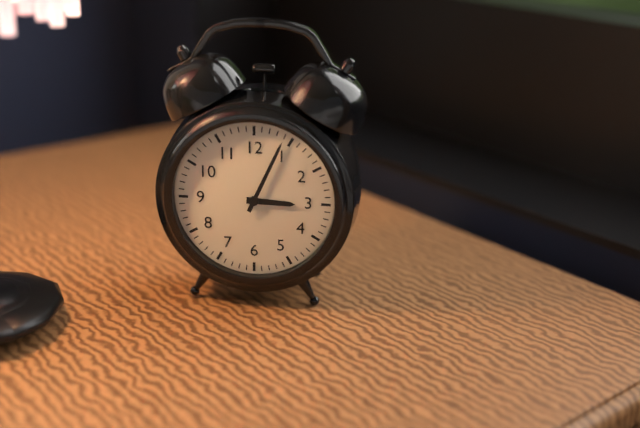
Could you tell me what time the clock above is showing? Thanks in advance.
3:04
